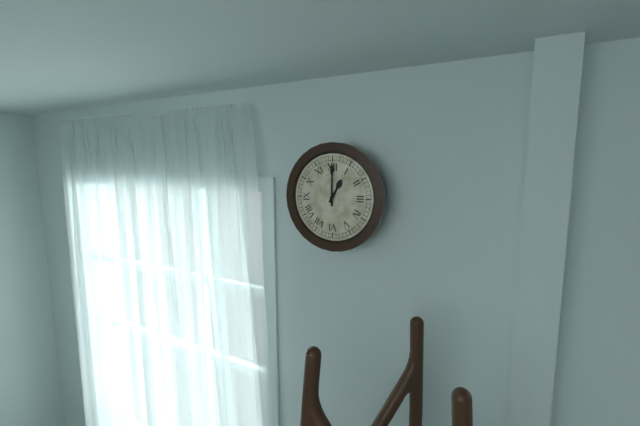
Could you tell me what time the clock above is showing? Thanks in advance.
1:00
